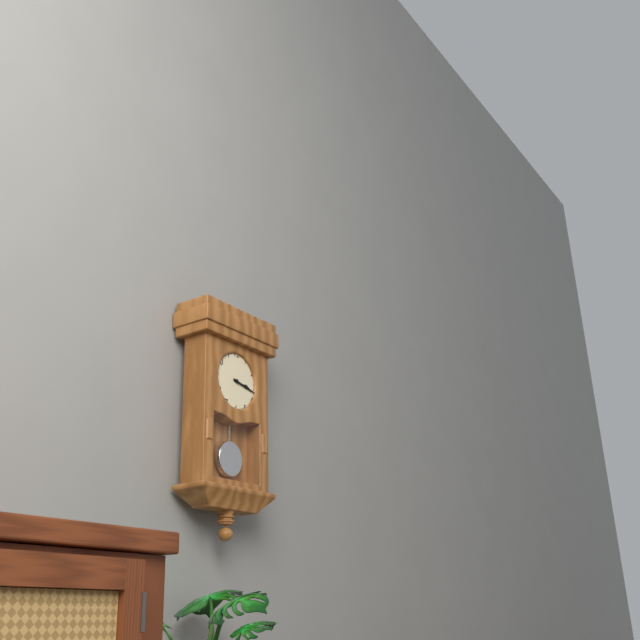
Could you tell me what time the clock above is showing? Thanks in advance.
3:17
